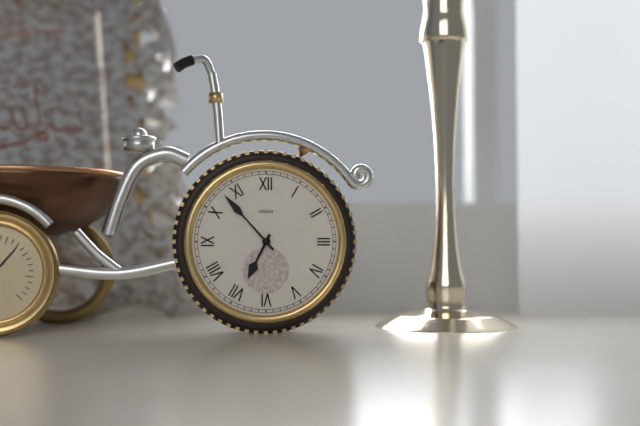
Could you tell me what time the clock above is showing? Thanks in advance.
6:53
